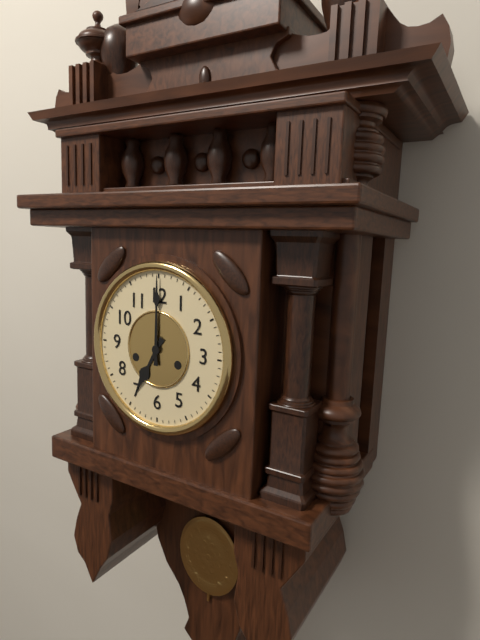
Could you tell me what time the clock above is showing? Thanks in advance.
7:00
